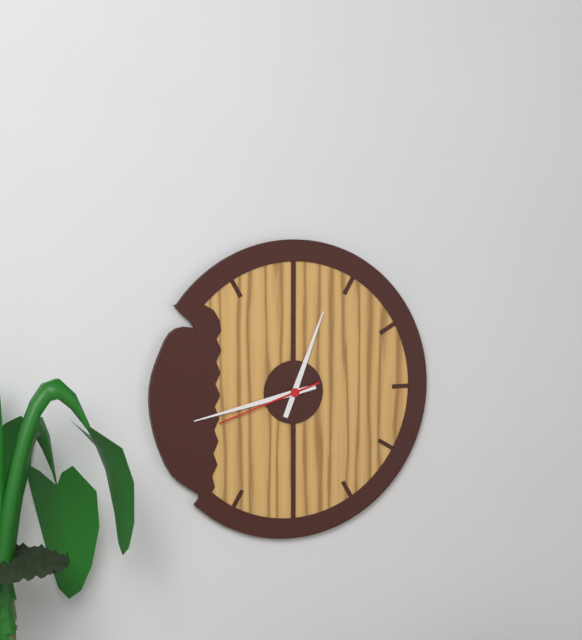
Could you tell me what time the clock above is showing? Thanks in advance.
12:43:42
